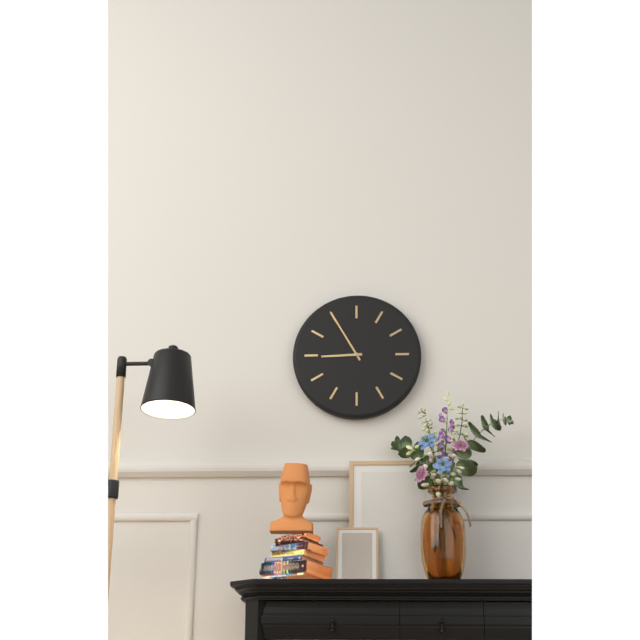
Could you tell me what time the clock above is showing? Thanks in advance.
8:55
